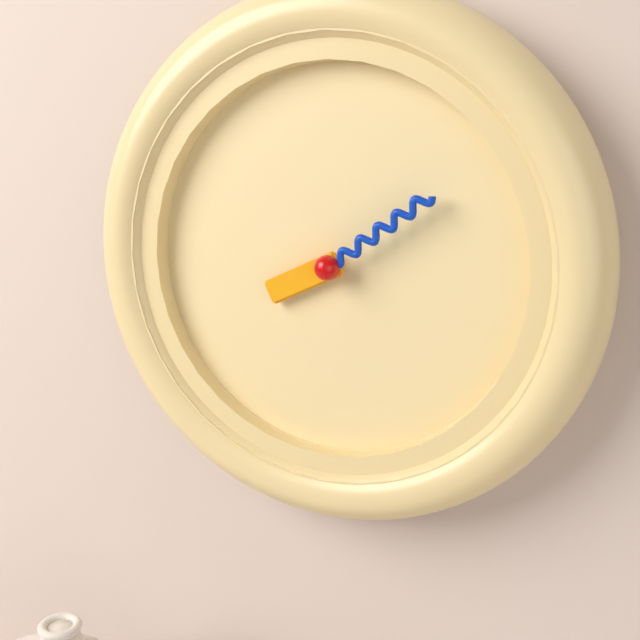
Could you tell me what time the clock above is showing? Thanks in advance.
8:09
